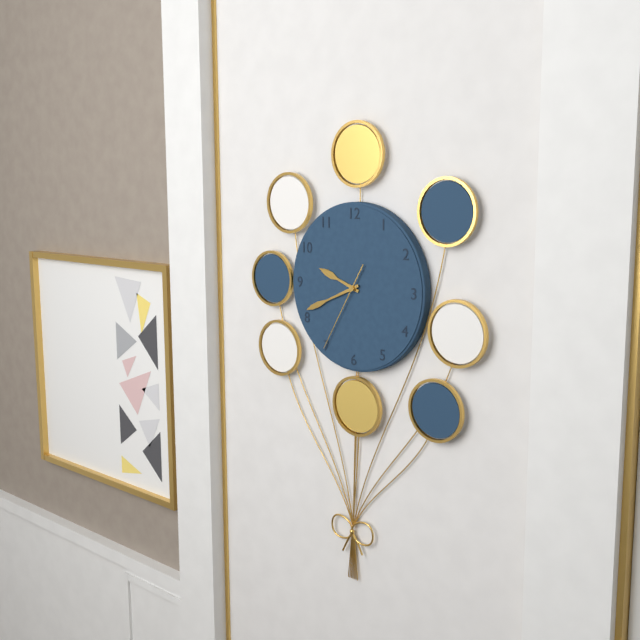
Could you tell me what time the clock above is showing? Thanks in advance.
9:41:35
